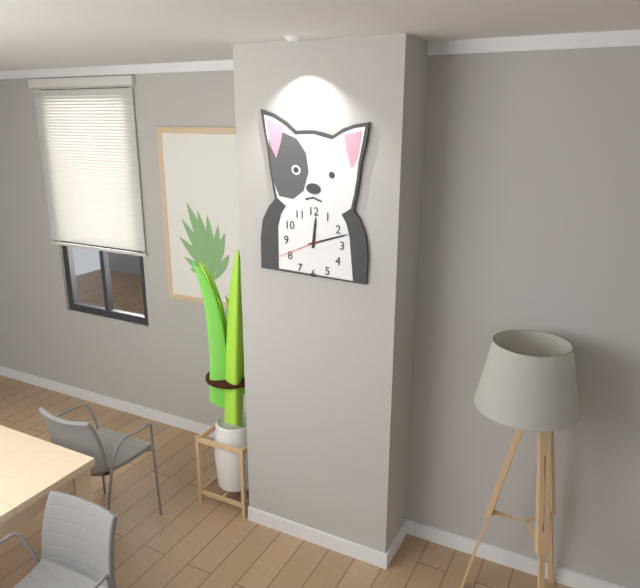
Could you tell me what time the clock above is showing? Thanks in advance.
12:12
